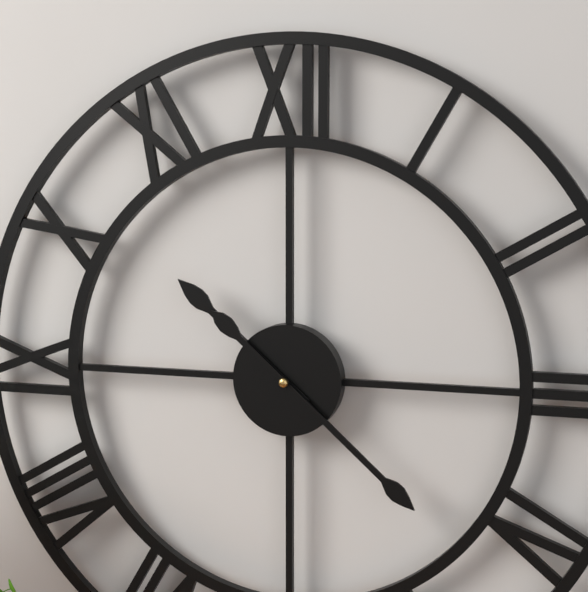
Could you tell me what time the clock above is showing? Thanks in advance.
10:22
